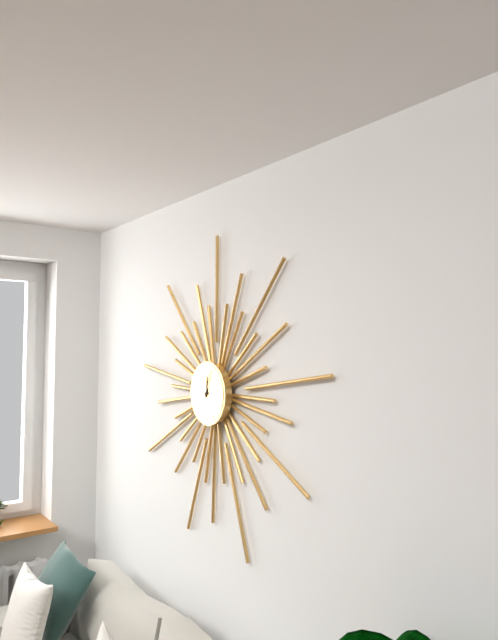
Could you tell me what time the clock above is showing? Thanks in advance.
12:03
